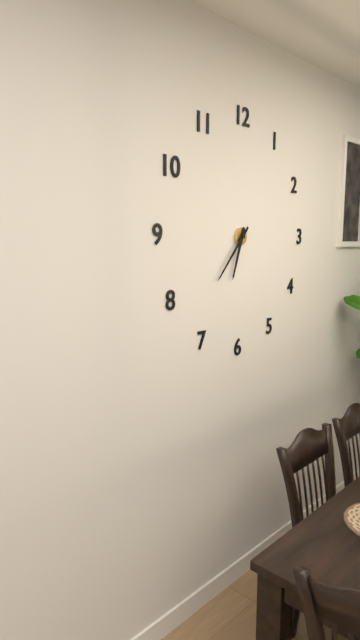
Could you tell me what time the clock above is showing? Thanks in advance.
6:37
